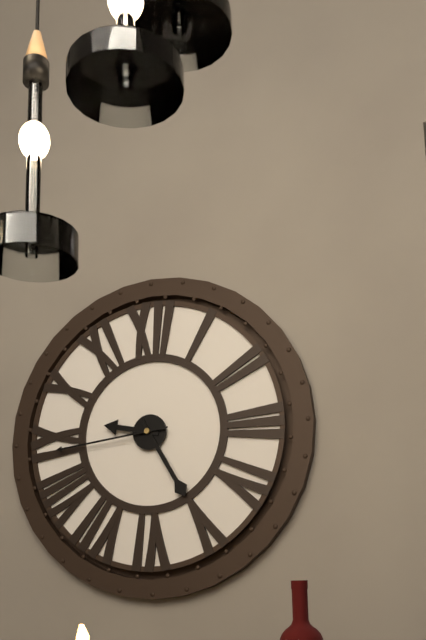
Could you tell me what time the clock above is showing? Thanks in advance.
9:25:44
